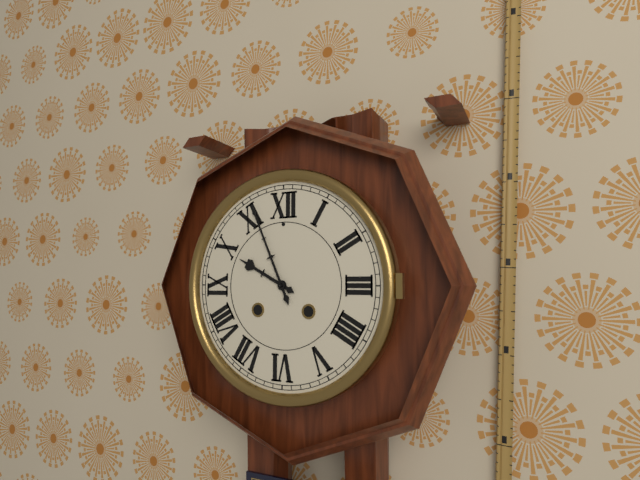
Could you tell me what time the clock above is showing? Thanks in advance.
9:56
